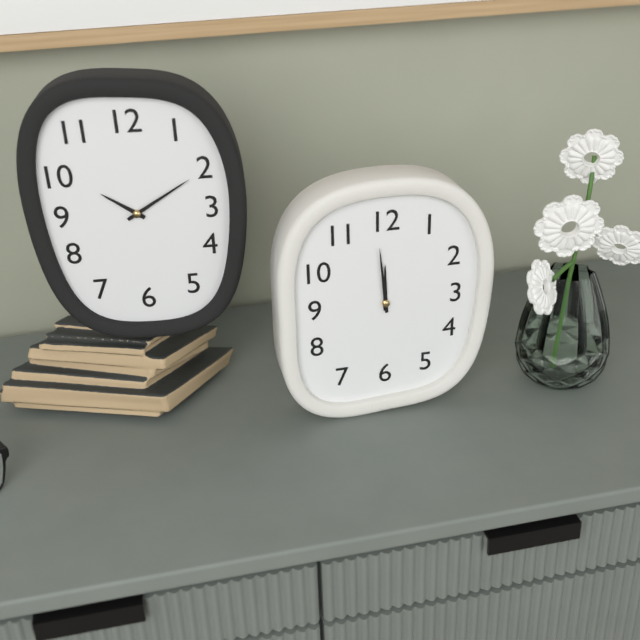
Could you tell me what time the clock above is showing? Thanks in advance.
11:59
